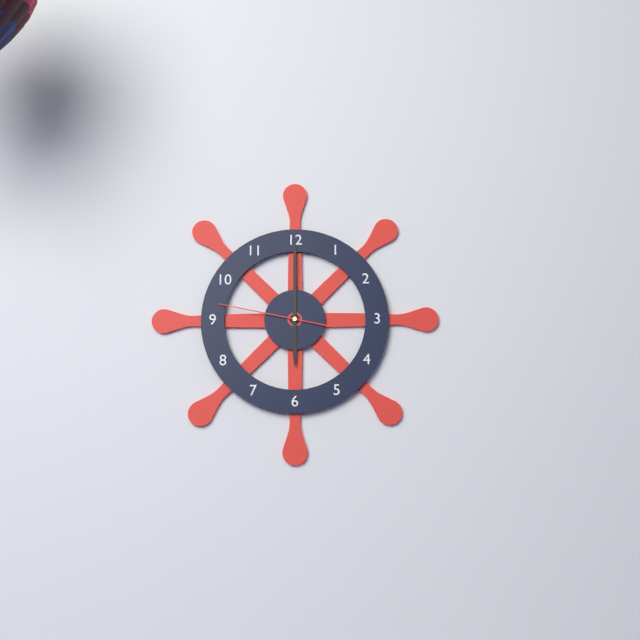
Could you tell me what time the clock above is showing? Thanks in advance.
6:00:47
